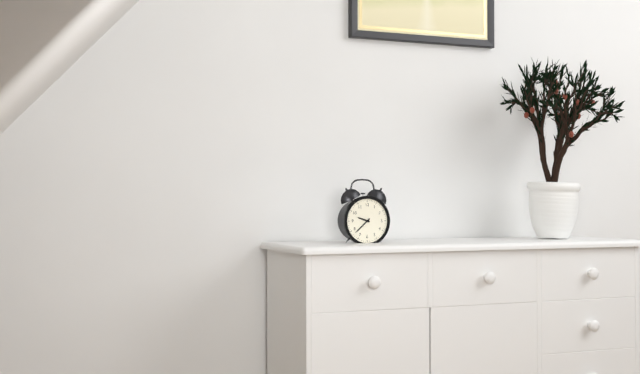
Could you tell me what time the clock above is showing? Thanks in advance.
9:38
